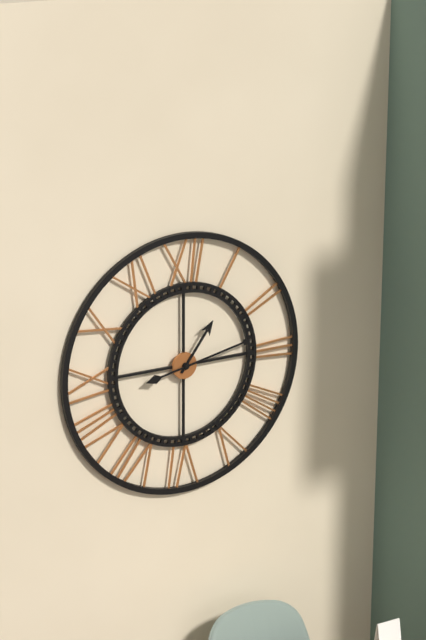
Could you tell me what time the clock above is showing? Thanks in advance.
1:13
